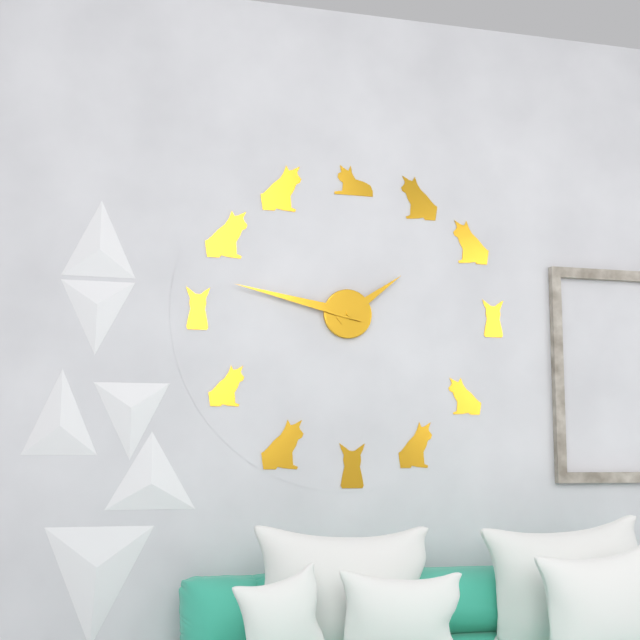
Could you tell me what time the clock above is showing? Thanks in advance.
1:47
